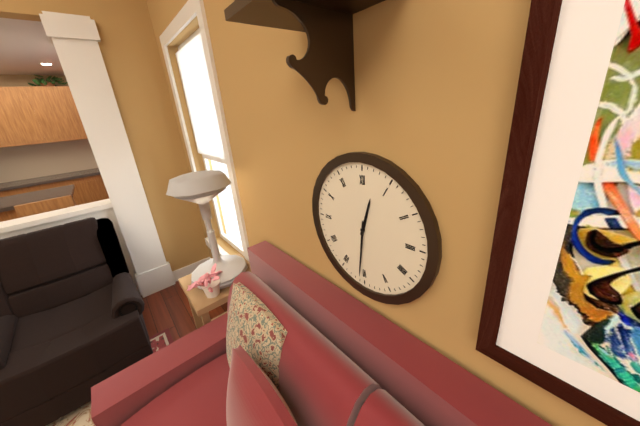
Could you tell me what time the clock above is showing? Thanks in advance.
12:31
